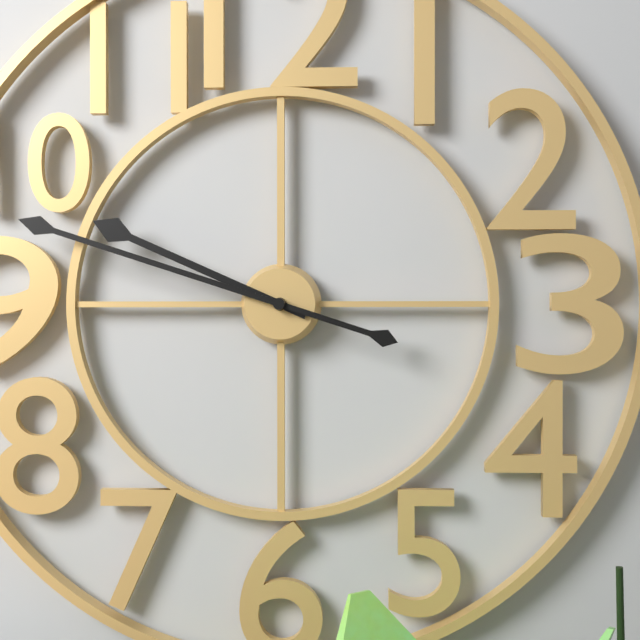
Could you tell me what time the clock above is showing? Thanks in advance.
9:48
